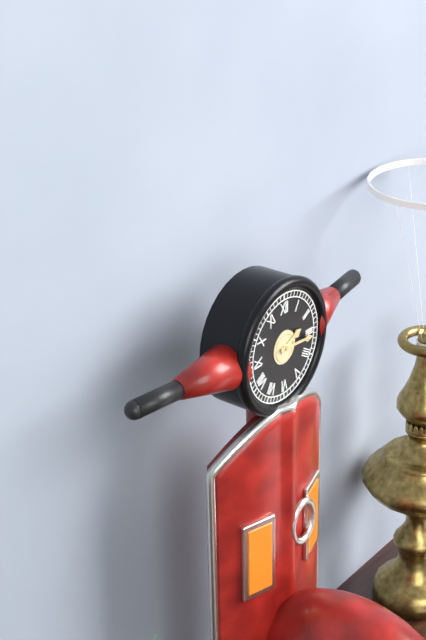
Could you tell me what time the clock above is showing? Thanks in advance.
2:16
